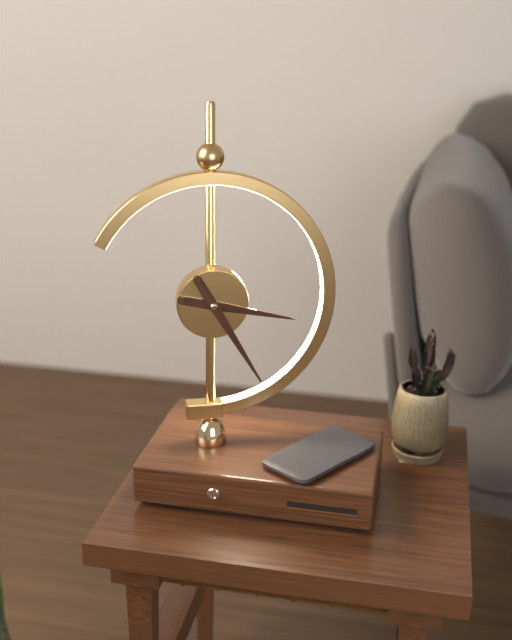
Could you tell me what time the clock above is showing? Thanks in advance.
3:25
